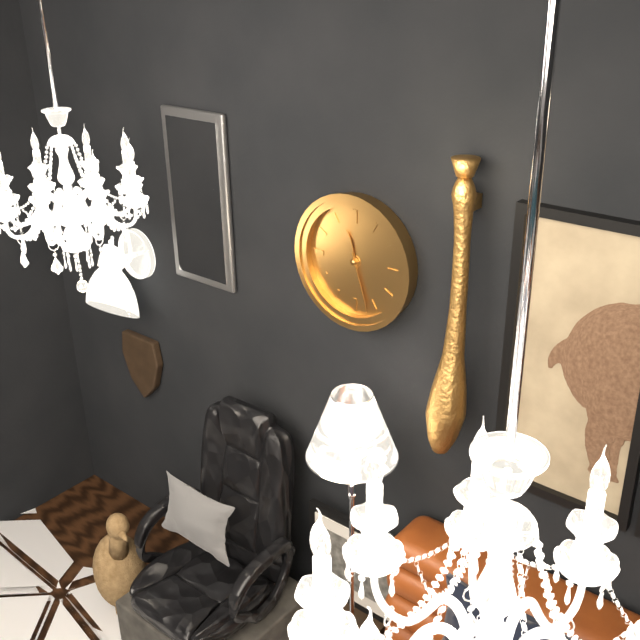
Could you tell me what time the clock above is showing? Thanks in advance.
11:27
